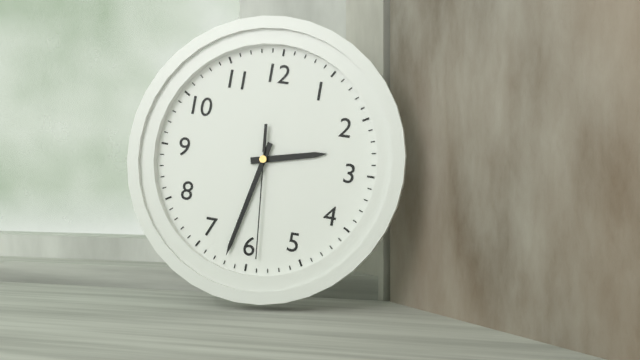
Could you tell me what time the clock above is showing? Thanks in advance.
2:32:29
